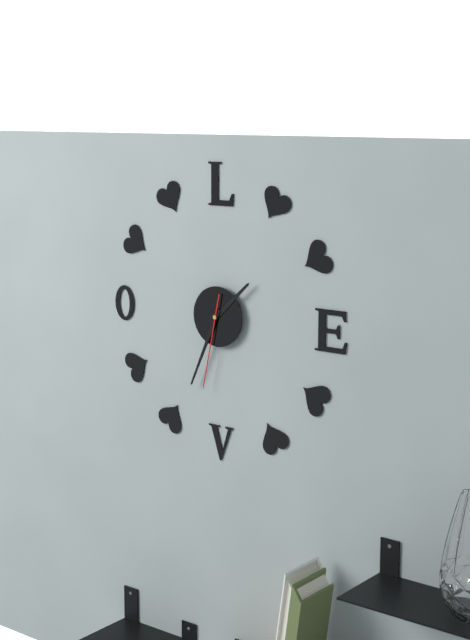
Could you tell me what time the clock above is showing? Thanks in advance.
1:34:32
